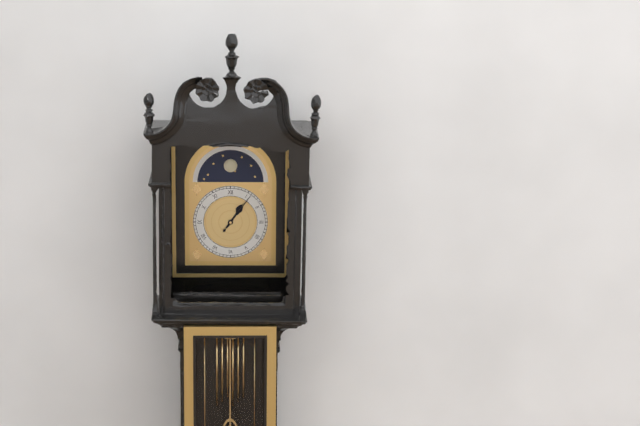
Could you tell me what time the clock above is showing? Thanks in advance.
1:06
